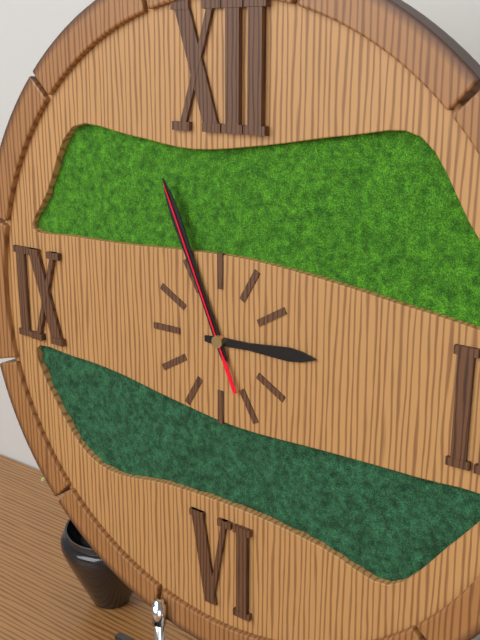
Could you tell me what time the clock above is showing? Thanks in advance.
2:56:56
